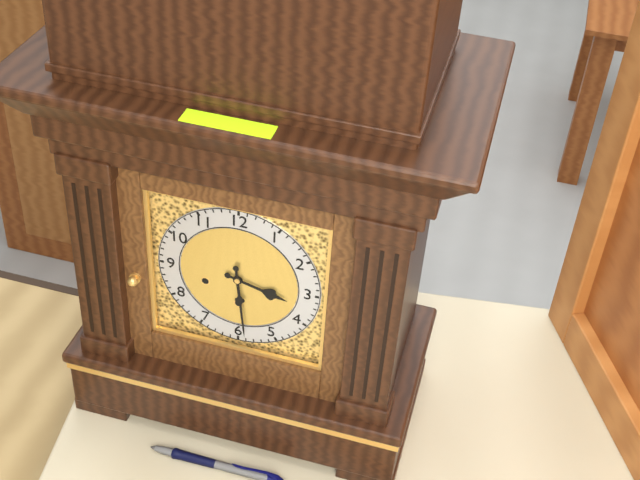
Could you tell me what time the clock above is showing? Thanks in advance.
3:29
